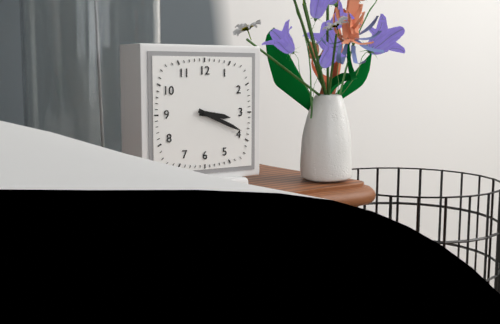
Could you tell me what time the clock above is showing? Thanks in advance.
3:19
